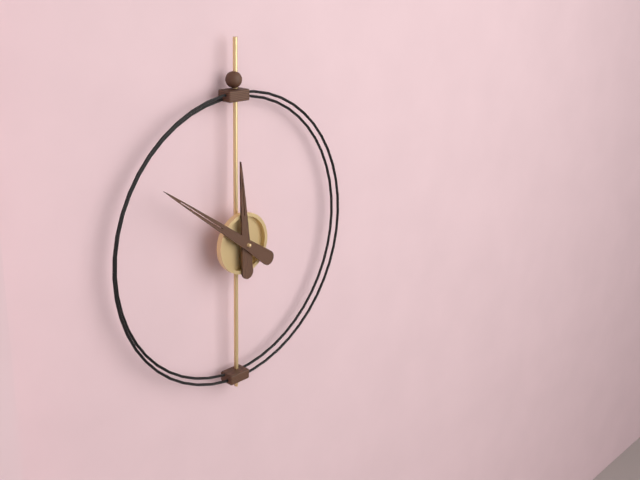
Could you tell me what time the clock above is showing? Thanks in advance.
11:51
